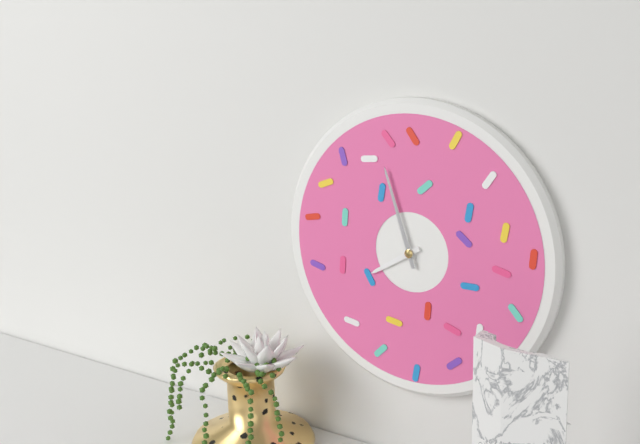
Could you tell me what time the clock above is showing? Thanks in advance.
7:57
